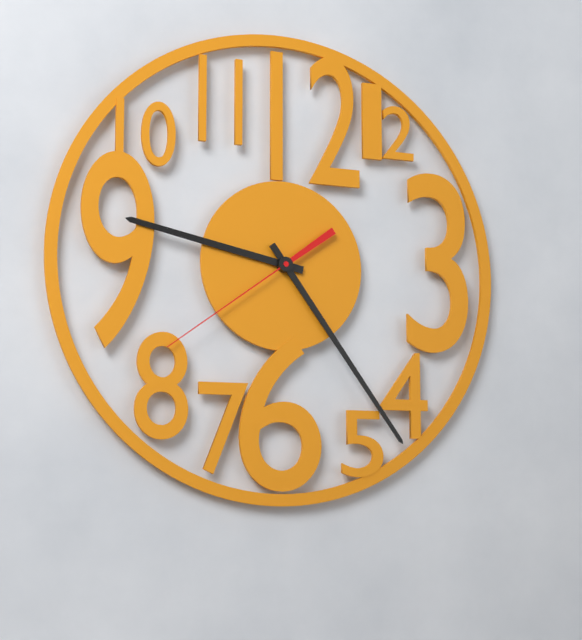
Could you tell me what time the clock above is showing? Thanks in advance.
9:24:39
